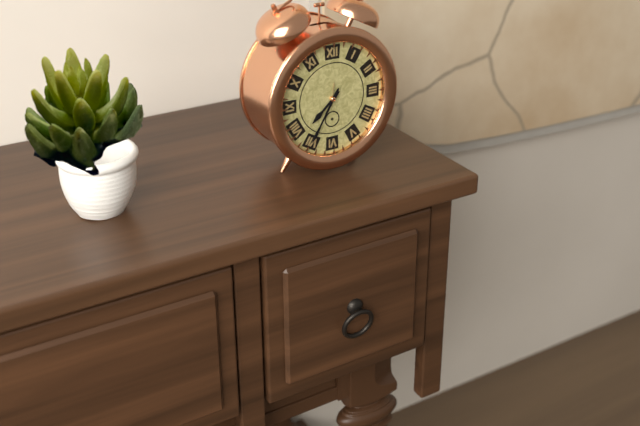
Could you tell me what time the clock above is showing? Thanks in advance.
7:35
